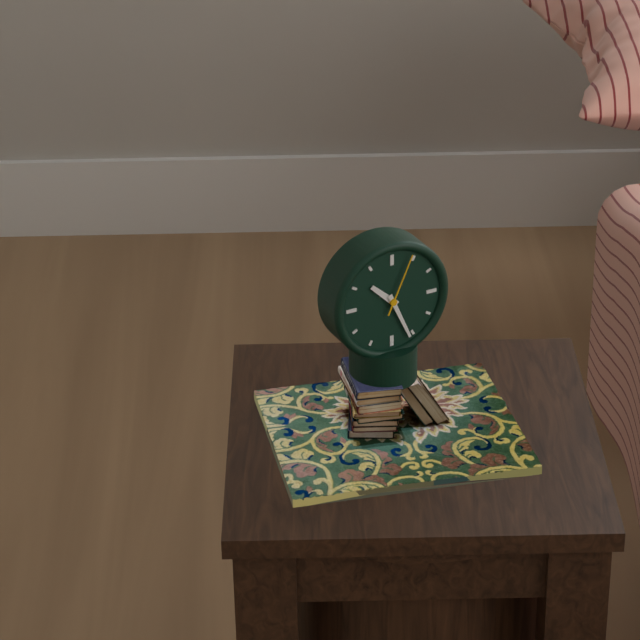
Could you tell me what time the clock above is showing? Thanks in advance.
10:26:04
